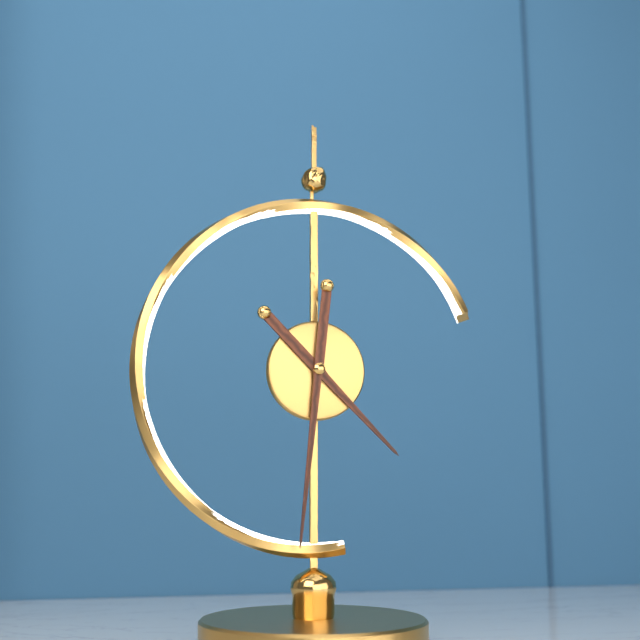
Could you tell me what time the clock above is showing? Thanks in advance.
4:31
